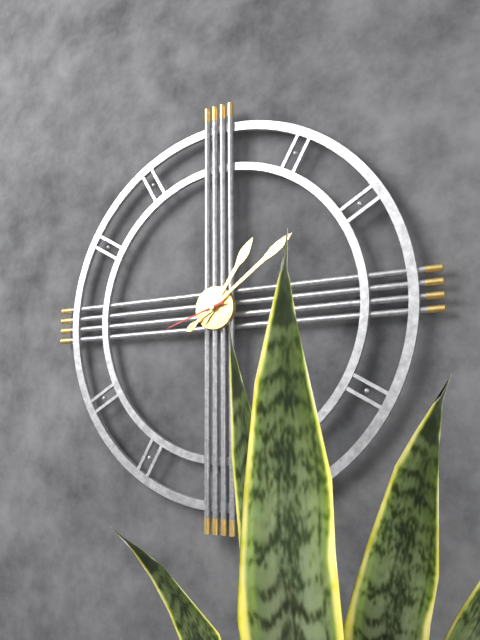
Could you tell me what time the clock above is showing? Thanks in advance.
1:09:42
